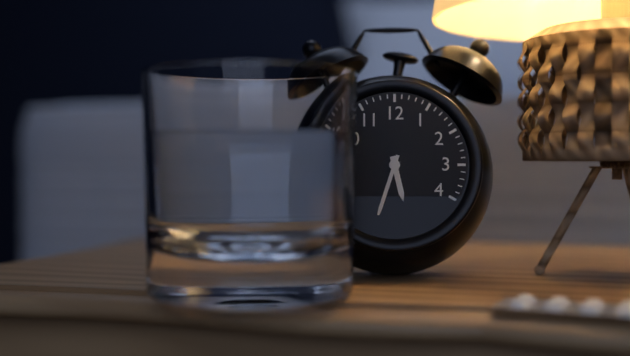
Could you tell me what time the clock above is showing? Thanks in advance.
5:33
